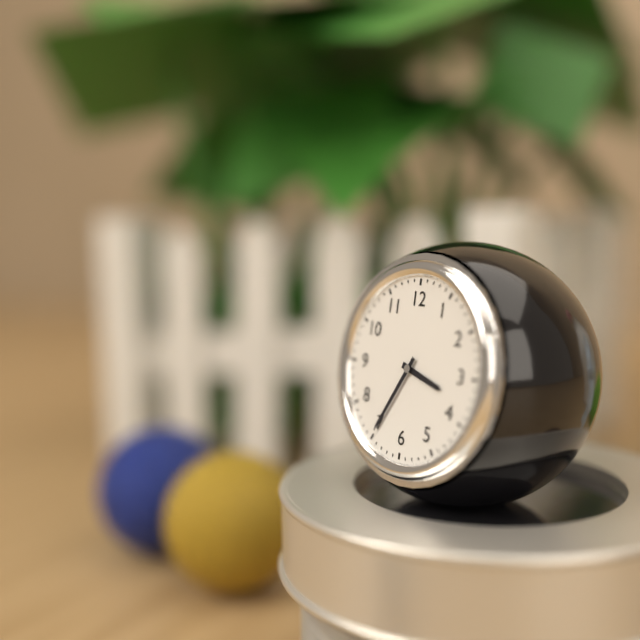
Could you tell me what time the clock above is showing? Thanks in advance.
3:35
